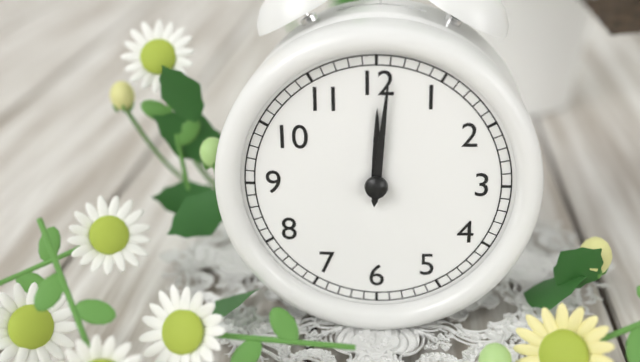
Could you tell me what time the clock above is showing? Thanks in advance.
12:01
